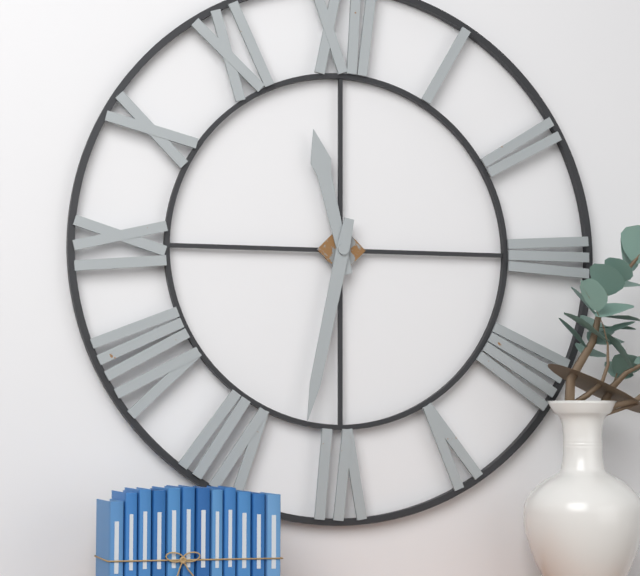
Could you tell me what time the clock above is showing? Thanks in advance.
11:32
